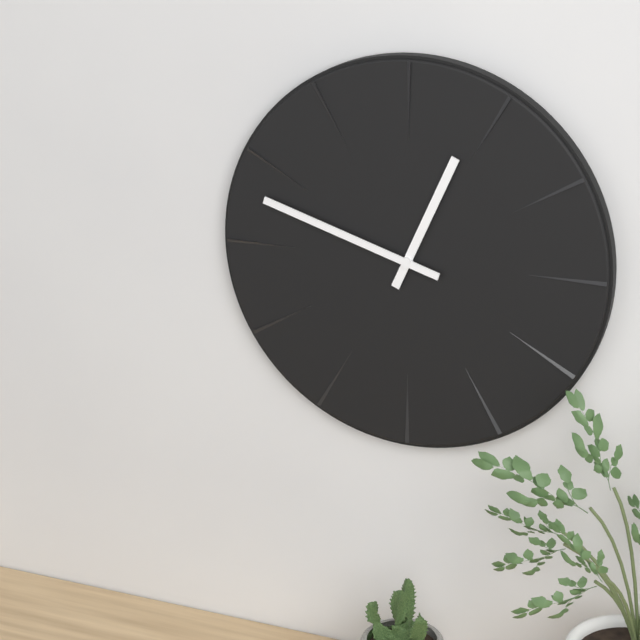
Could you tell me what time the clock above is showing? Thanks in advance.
12:48
